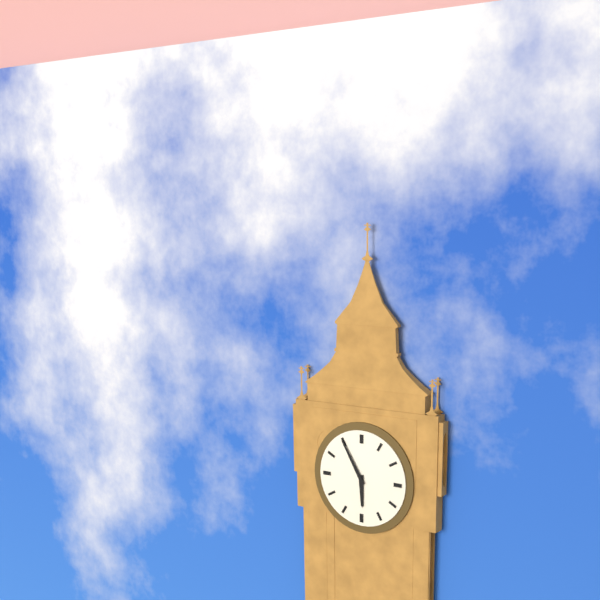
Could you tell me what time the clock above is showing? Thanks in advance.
5:55
